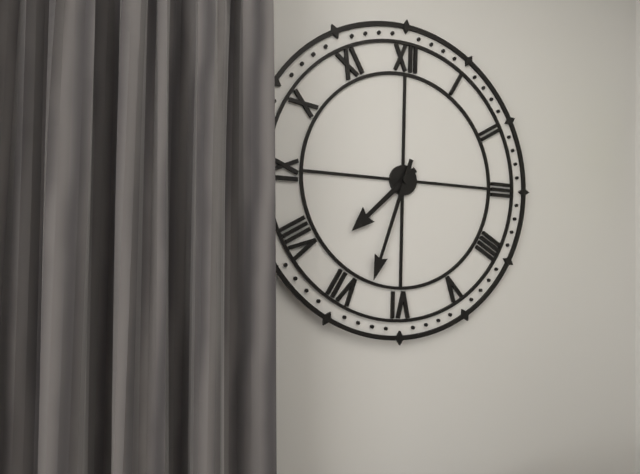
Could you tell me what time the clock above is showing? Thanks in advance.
7:33
